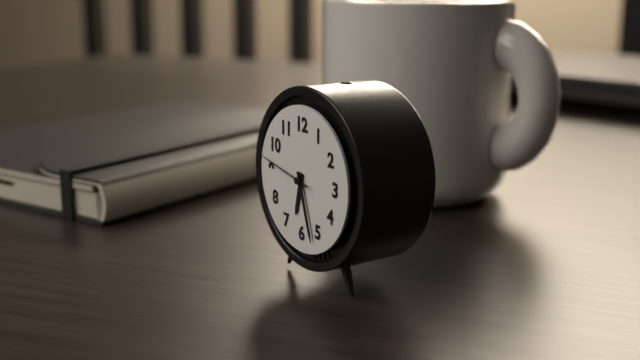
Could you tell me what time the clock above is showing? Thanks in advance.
6:27:47
